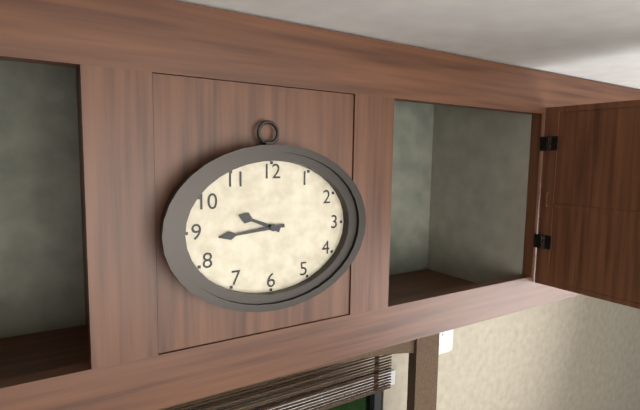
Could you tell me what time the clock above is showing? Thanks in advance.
9:44
